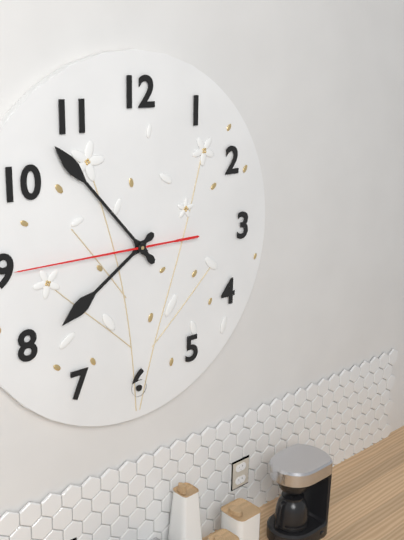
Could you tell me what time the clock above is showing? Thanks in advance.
7:53:45
